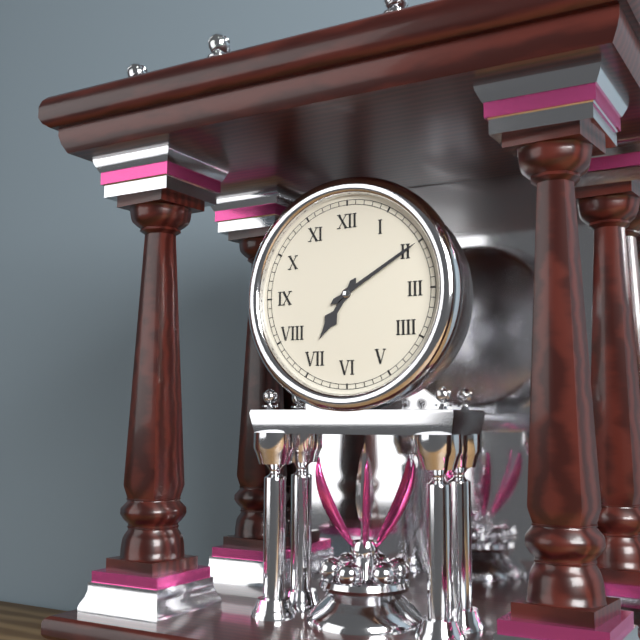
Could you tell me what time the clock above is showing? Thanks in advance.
7:10
